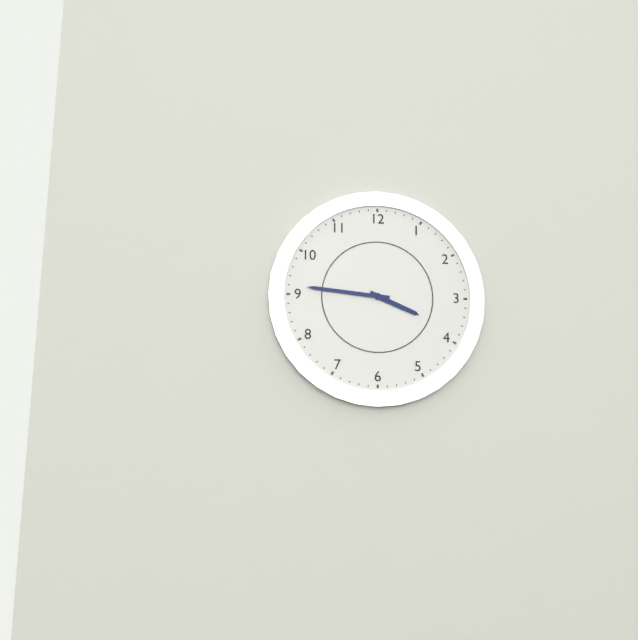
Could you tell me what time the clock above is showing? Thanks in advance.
3:46
